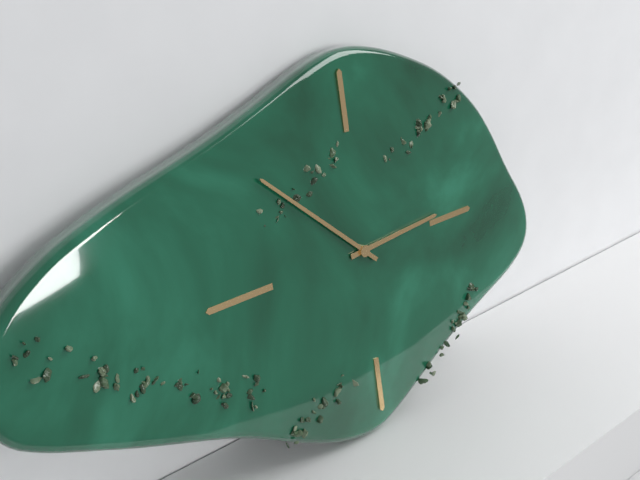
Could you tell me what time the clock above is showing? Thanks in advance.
2:52
